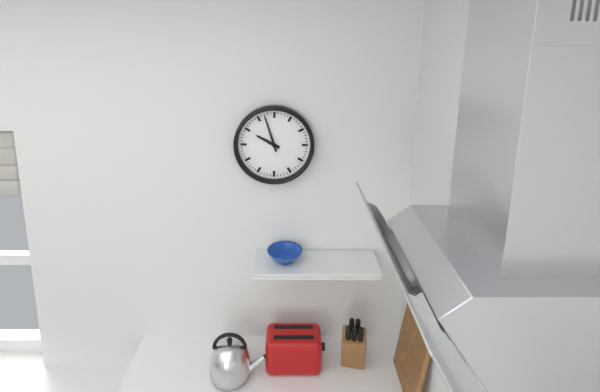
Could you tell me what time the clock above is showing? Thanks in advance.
9:57
